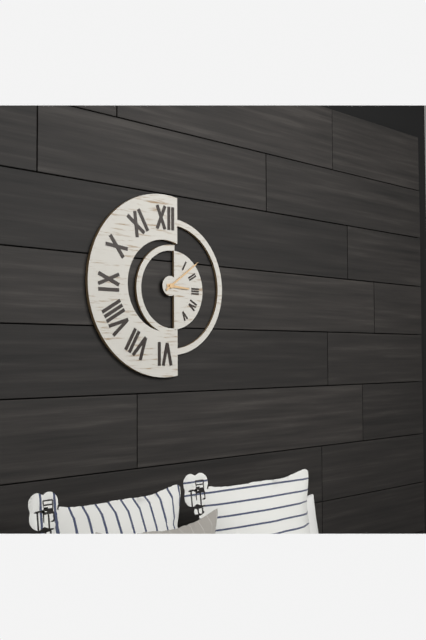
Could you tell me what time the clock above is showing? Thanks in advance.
3:09
